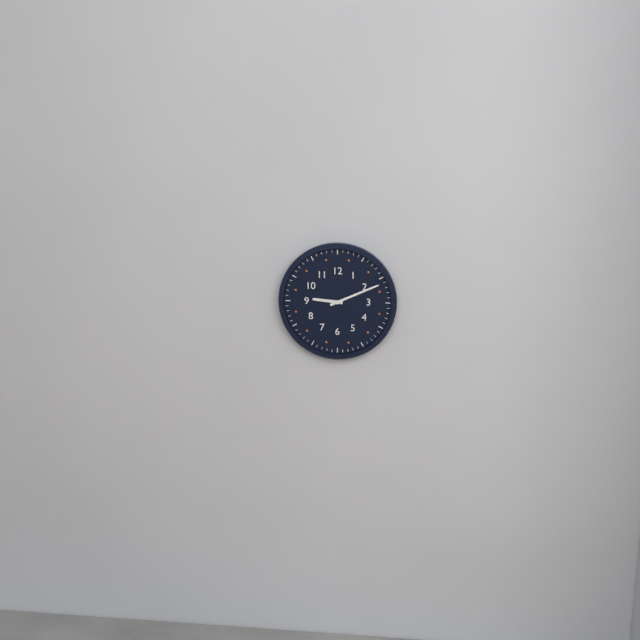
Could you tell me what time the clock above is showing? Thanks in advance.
9:11
